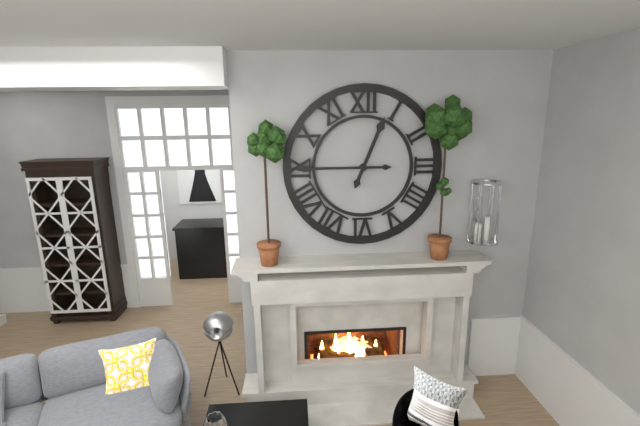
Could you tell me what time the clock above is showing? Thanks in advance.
12:45
